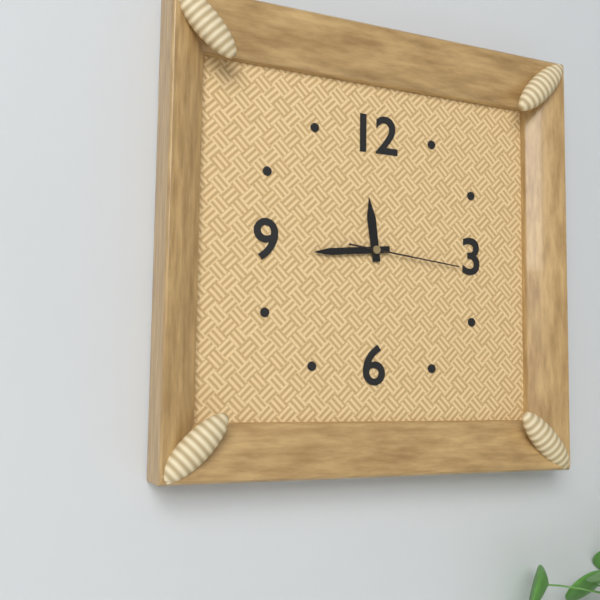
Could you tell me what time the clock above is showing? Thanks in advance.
11:44:16
